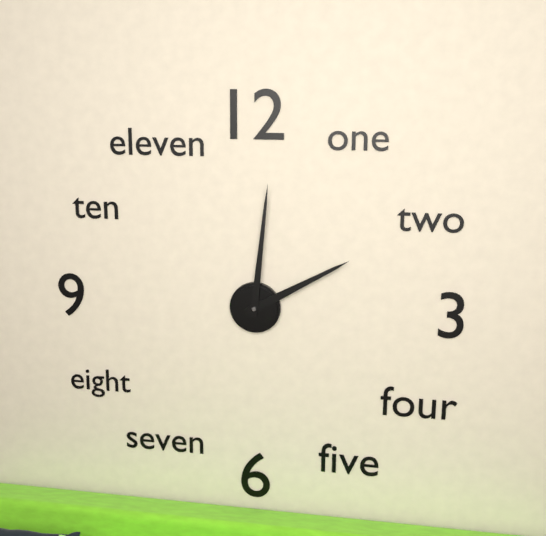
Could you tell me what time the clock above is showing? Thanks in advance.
2:01
